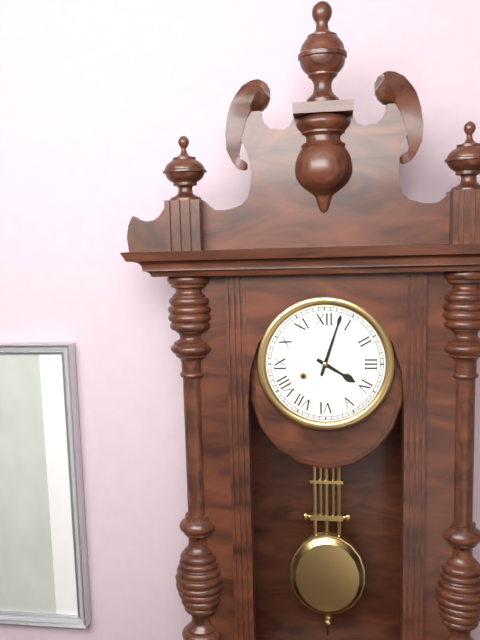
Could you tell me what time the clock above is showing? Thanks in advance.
4:03
